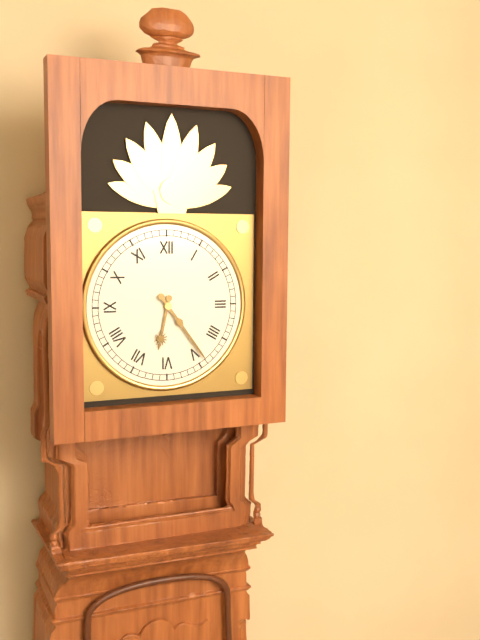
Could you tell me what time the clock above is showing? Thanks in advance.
6:24
